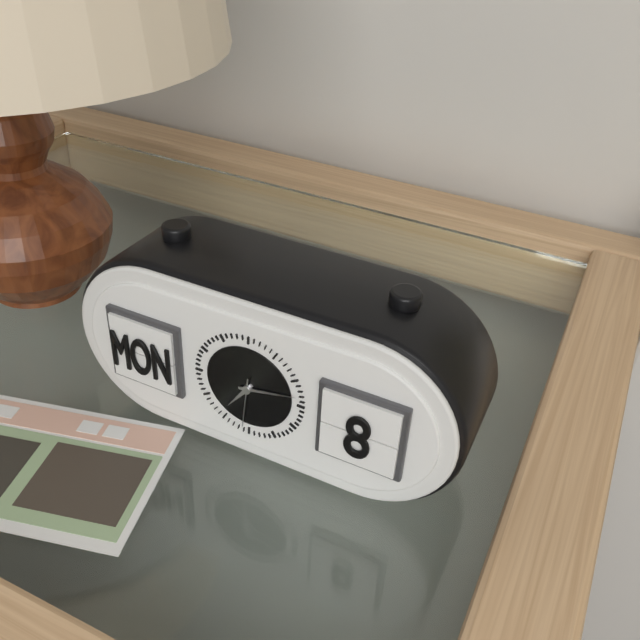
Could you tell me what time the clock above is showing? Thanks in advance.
7:13:31
